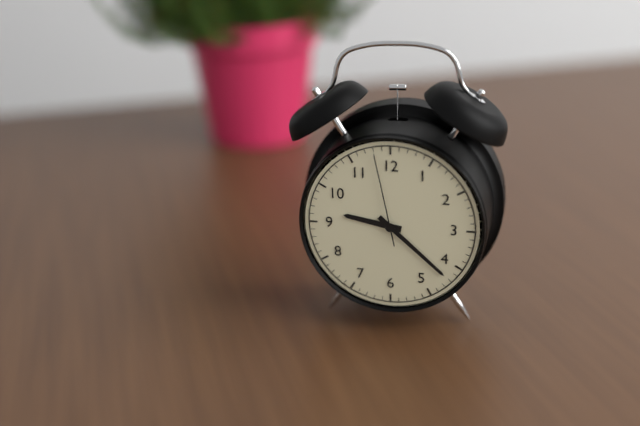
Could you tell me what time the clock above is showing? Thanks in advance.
9:22:58
